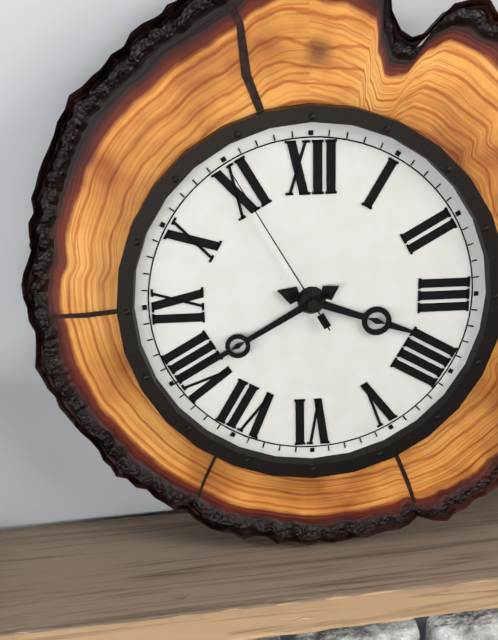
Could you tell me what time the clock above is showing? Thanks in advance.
3:40:55
